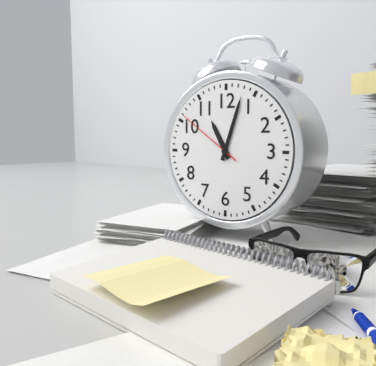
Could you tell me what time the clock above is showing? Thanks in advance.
11:03:51
